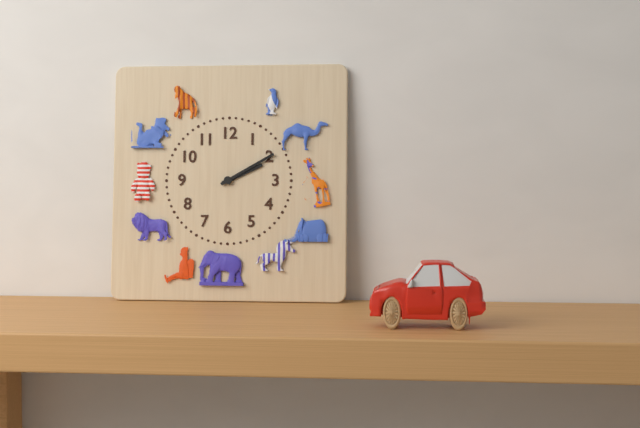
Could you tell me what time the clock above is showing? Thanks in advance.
2:10
